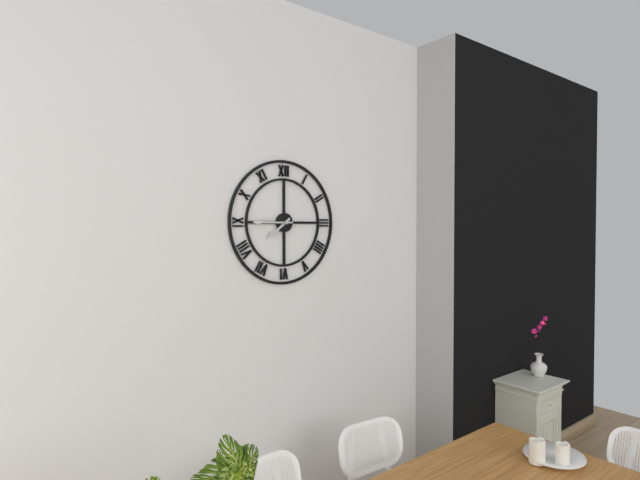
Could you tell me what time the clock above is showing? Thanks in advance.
7:45
